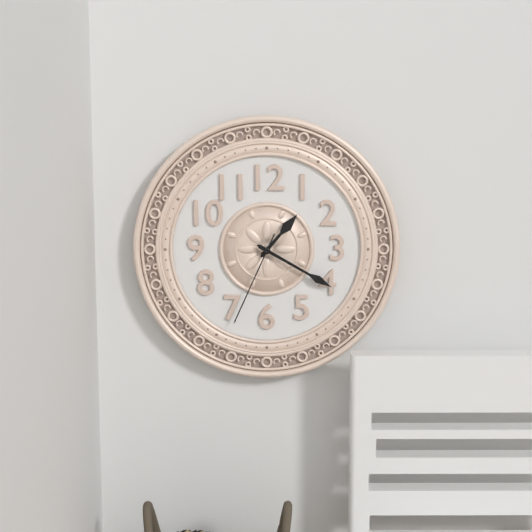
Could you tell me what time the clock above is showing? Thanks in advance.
1:20:34
